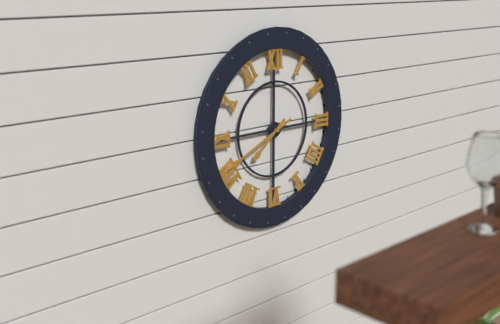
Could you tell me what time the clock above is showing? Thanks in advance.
7:41
